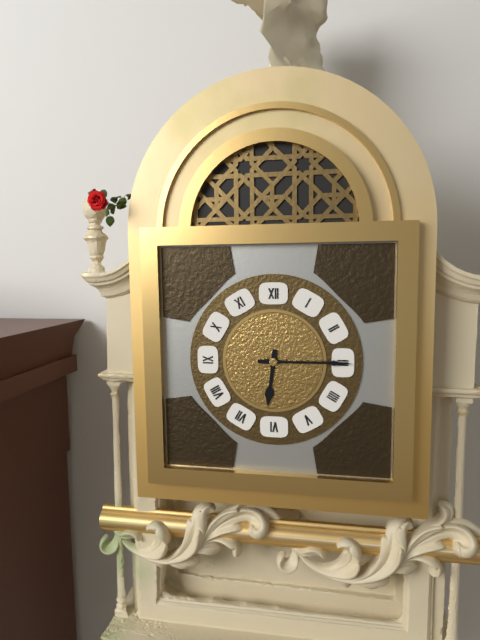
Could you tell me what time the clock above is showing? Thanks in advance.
6:15
